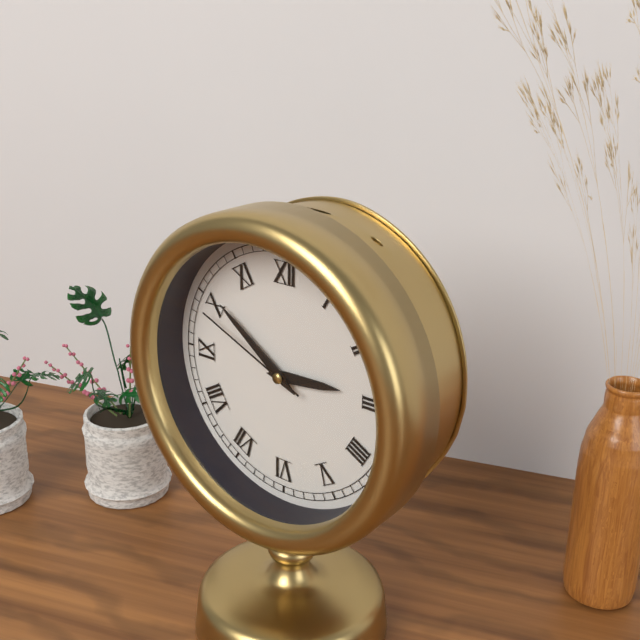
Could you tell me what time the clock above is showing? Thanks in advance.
2:51:49
